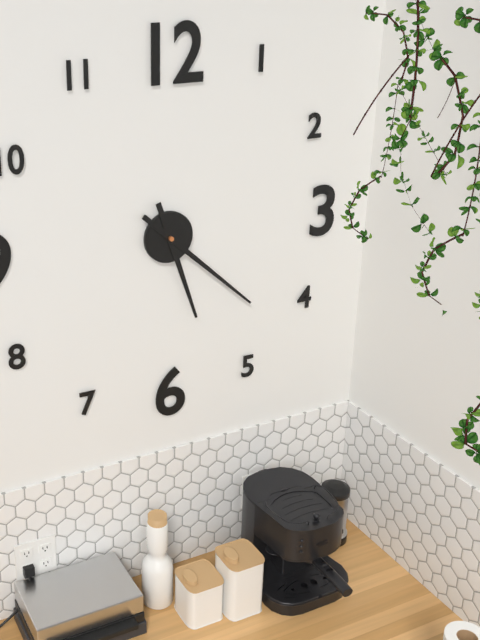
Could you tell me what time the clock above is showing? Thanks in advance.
5:22
